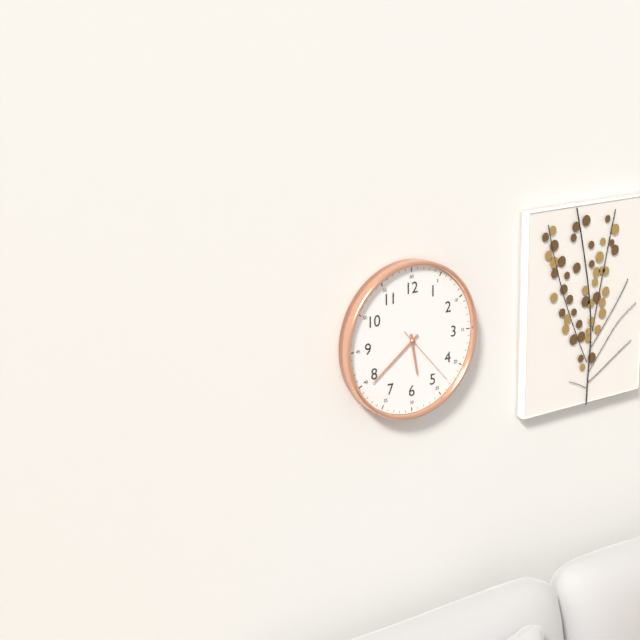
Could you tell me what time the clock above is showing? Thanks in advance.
5:39:23
